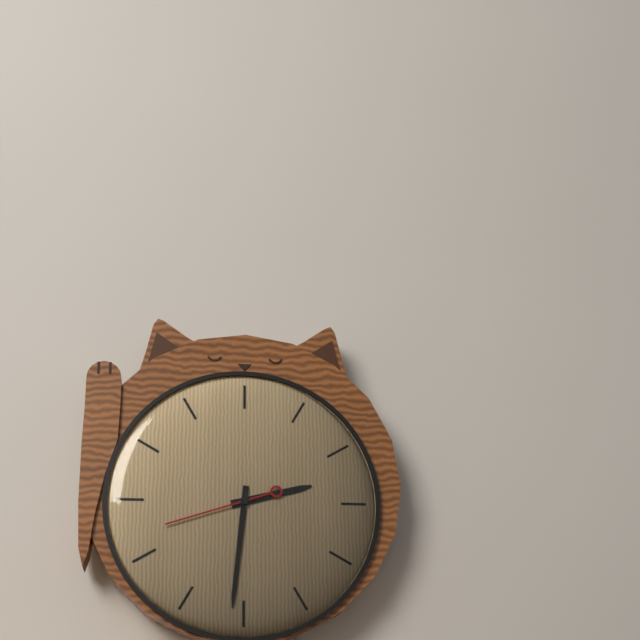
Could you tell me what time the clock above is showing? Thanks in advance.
2:31:42
